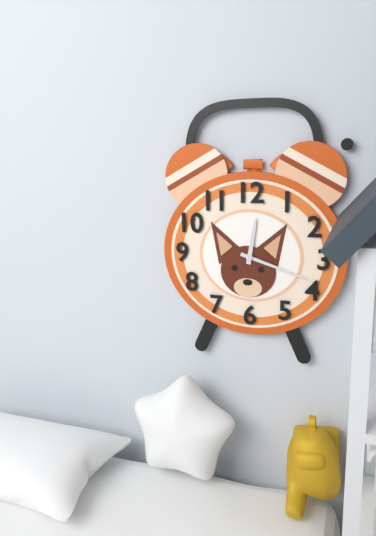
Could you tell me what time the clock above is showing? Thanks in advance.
12:18
